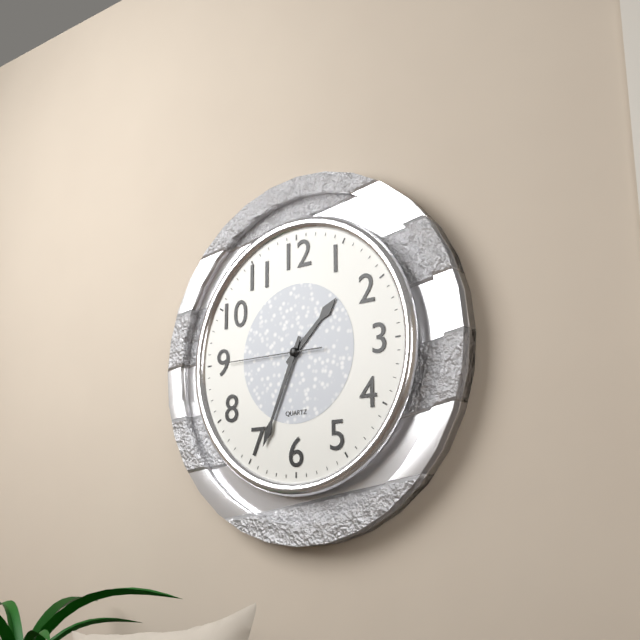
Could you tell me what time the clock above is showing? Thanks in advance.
1:34:45
